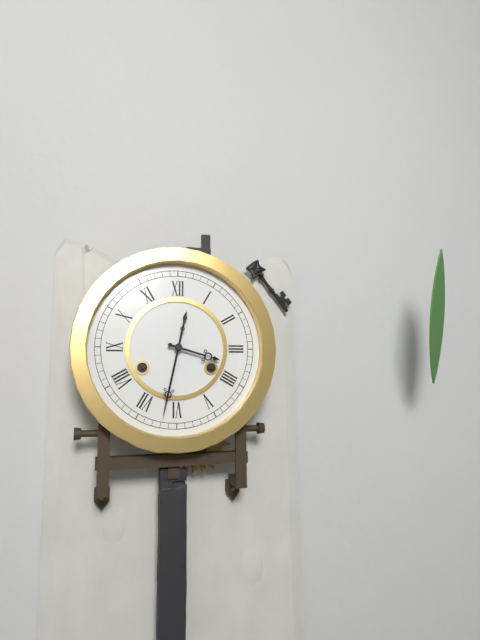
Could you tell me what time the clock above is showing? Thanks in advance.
3:32
